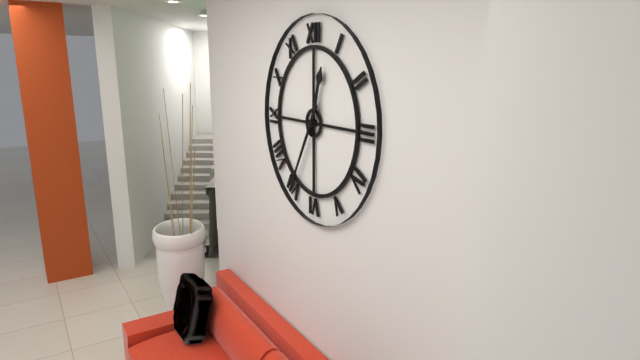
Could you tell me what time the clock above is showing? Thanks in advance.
12:35
